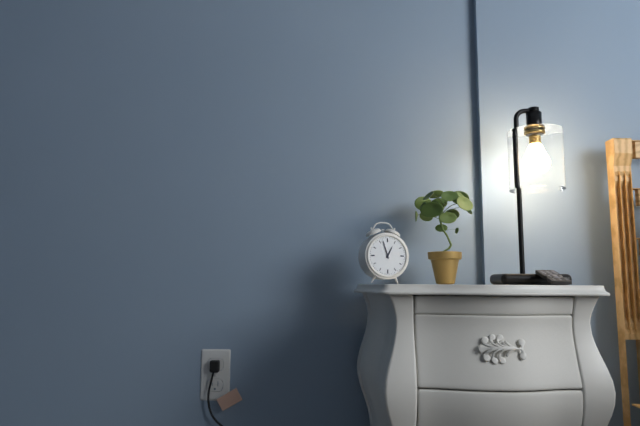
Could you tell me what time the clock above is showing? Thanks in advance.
12:57
